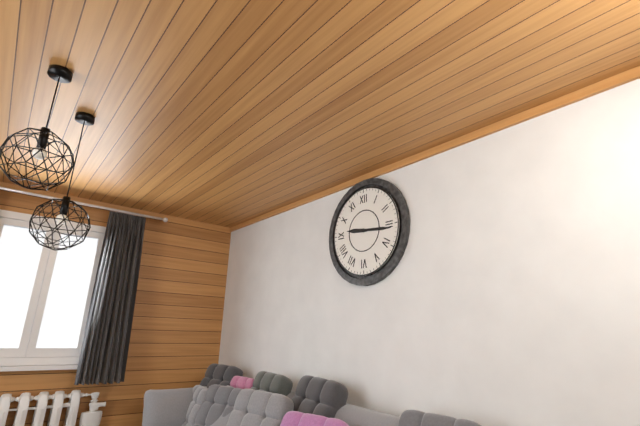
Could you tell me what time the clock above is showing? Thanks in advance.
9:16
